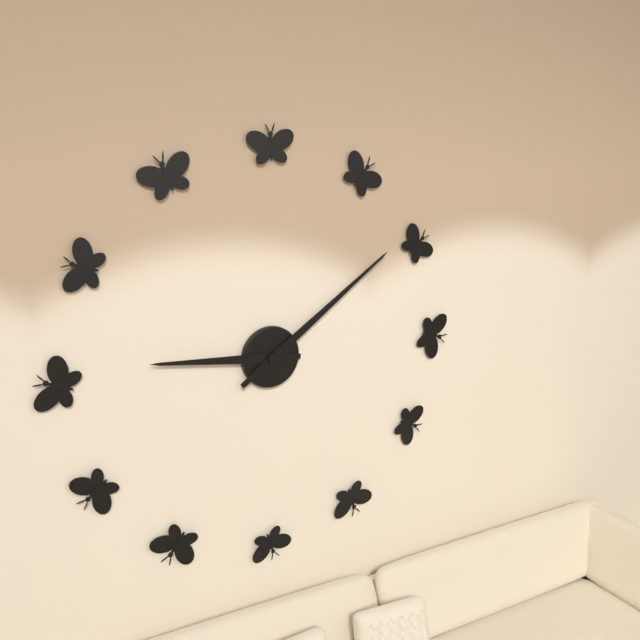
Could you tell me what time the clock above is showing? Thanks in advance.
9:09
